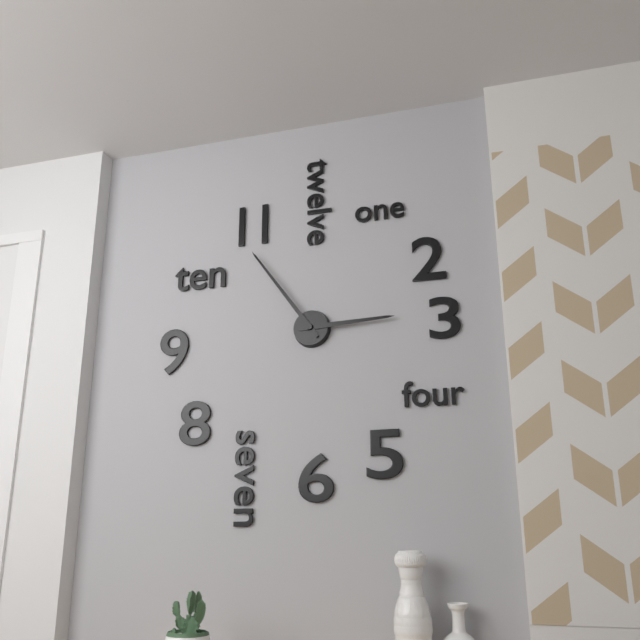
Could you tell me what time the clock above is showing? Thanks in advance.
2:54
